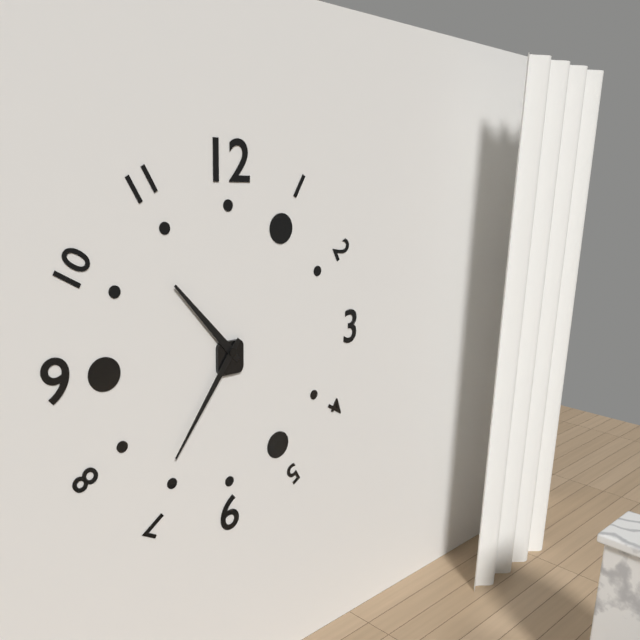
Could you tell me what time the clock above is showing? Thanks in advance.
10:36
